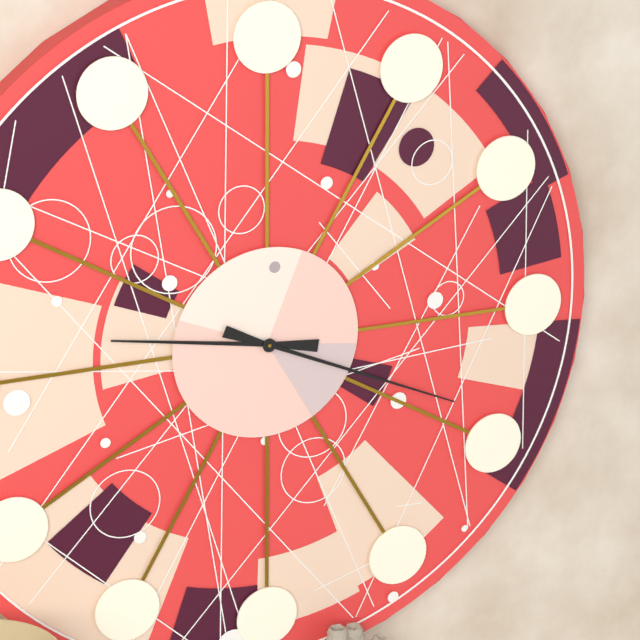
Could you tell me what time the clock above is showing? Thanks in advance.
9:19
